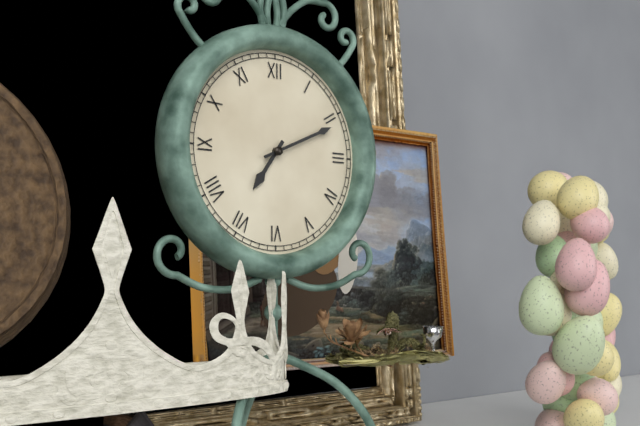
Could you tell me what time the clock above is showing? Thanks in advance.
7:11
